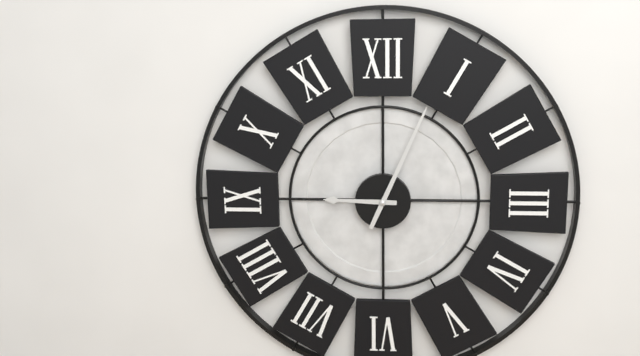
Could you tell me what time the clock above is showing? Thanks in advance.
9:04
